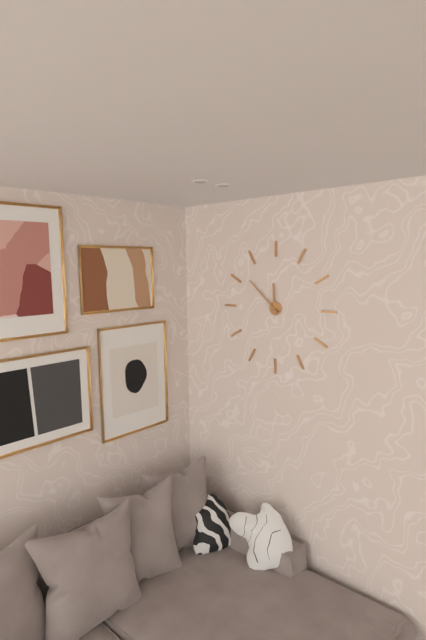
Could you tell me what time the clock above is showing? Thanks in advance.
11:52
